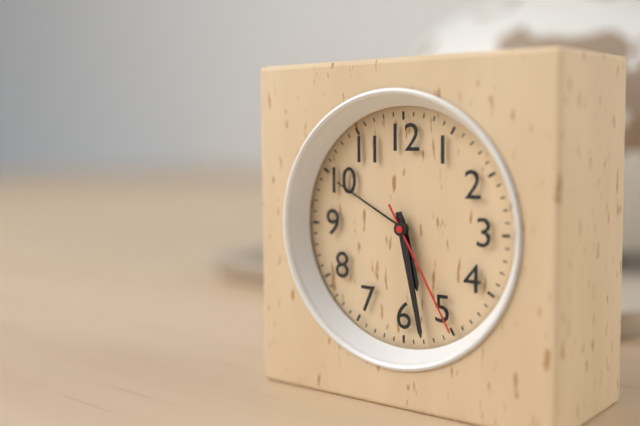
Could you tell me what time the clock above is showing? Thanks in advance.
5:28:25
